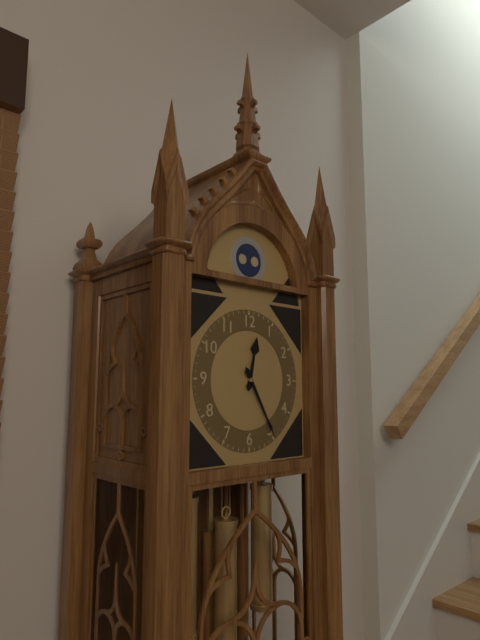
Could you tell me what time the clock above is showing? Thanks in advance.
12:25
